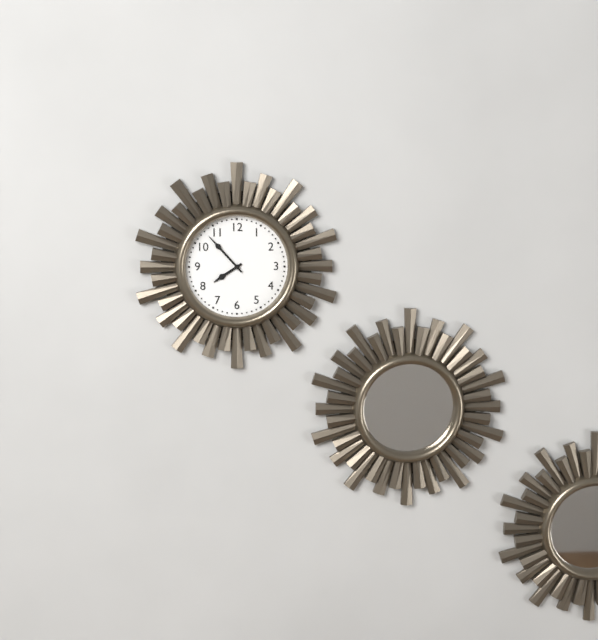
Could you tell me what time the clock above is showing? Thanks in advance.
7:53
